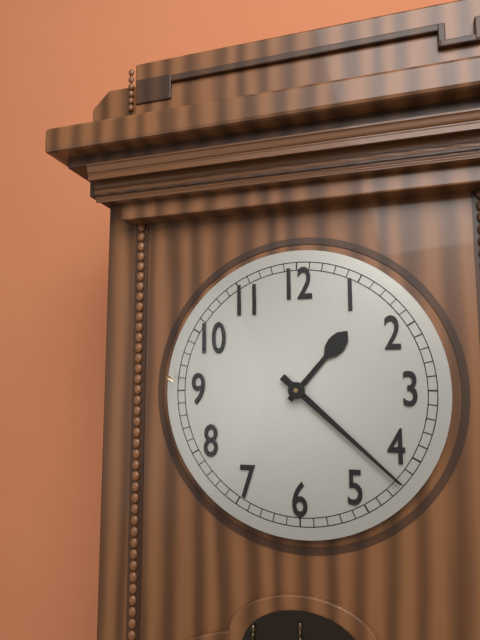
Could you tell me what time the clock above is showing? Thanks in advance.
1:22
